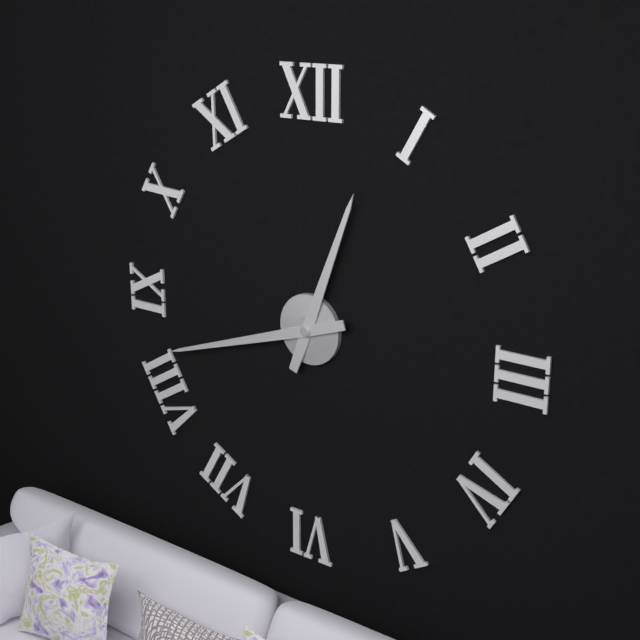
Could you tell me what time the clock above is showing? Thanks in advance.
12:42
